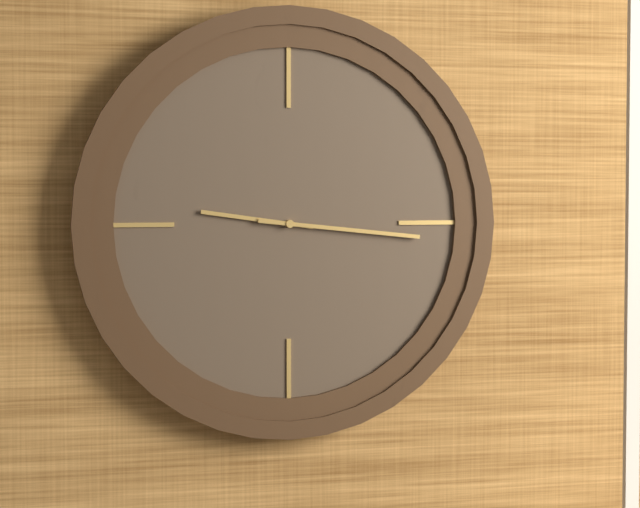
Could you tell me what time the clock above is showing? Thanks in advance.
9:16
